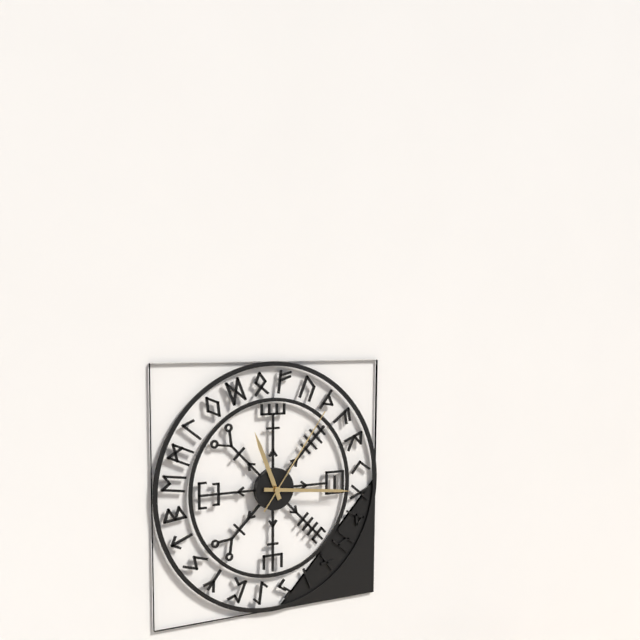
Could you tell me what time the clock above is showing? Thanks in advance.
11:16:06
